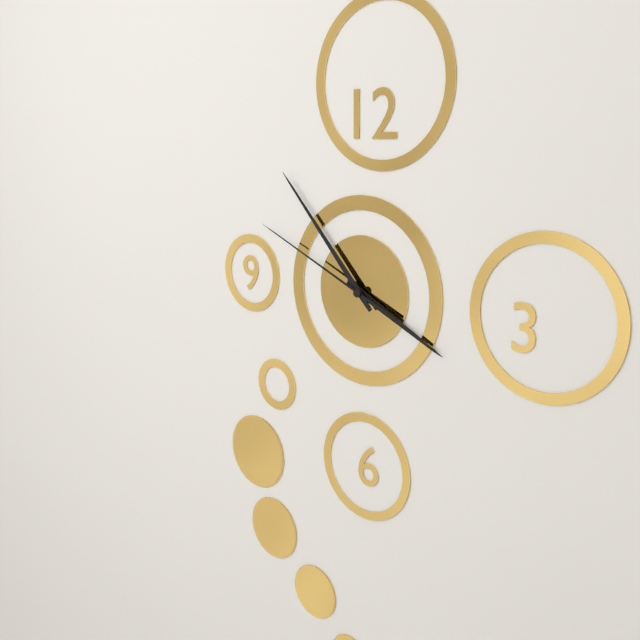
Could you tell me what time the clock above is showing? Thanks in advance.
3:53:49
